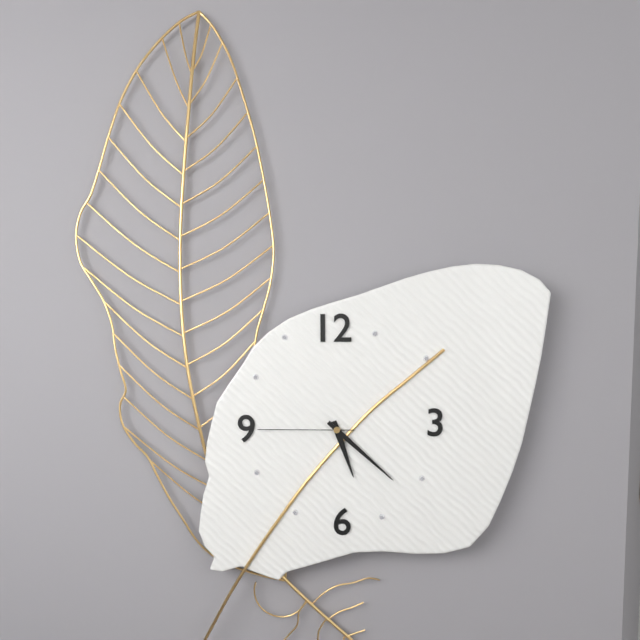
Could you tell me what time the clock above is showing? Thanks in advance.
5:22:45
